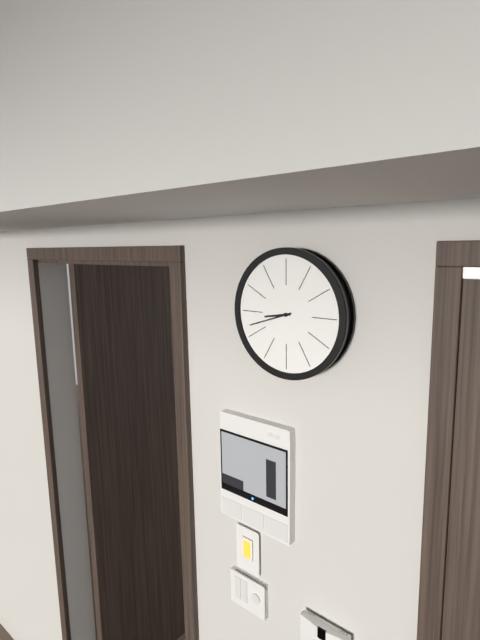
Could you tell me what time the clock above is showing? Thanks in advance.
8:42
